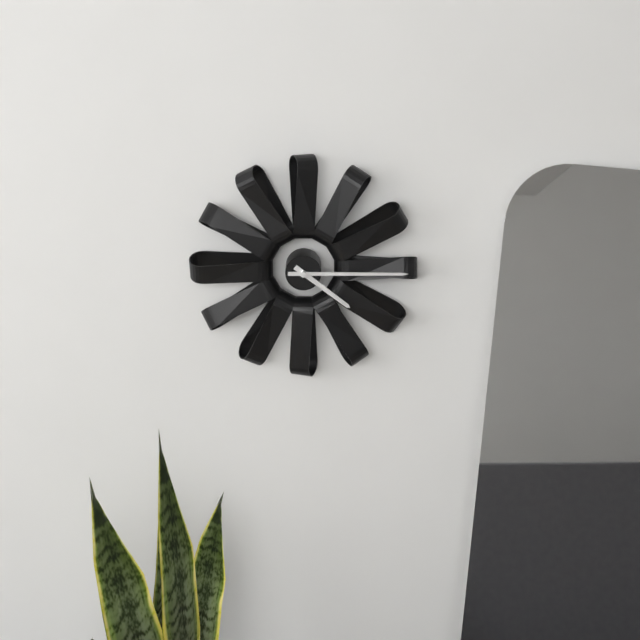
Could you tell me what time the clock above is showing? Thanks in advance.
4:15
